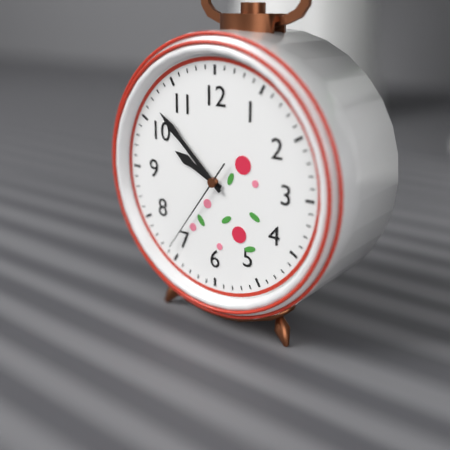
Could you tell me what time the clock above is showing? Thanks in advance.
9:52:36
